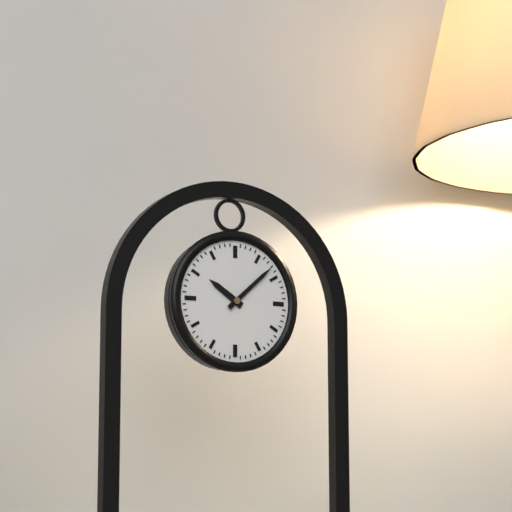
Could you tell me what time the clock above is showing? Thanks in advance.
10:08
